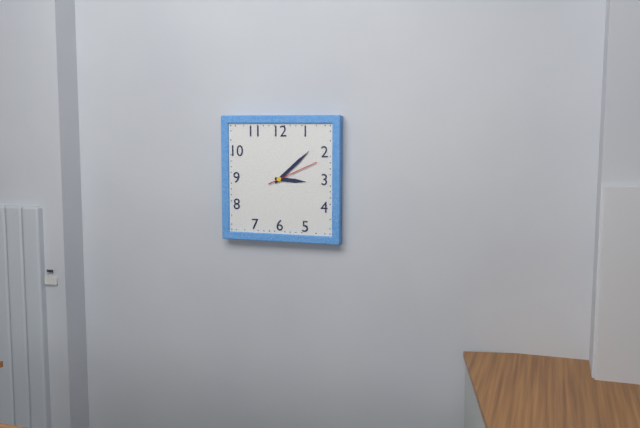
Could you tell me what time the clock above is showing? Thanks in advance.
3:08:11
